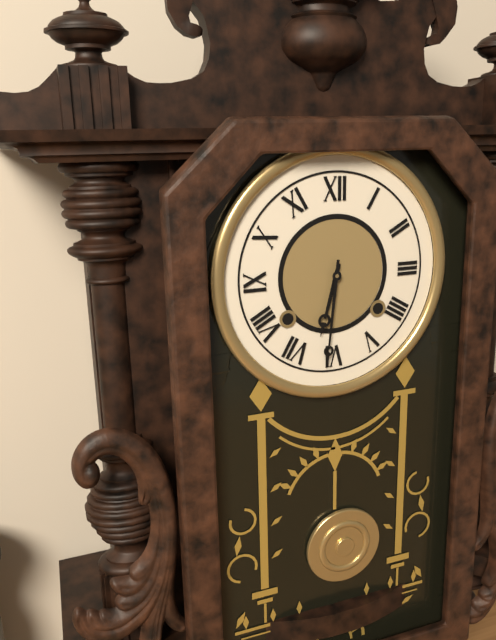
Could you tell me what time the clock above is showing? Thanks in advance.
6:31
